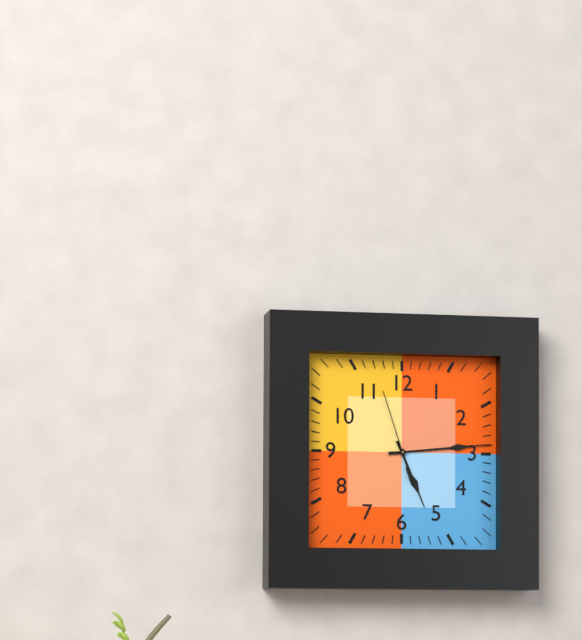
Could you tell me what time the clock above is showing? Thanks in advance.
5:14:57
